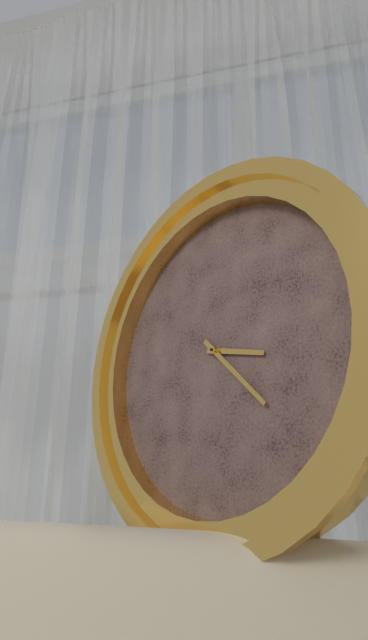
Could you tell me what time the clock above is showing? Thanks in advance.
3:22
